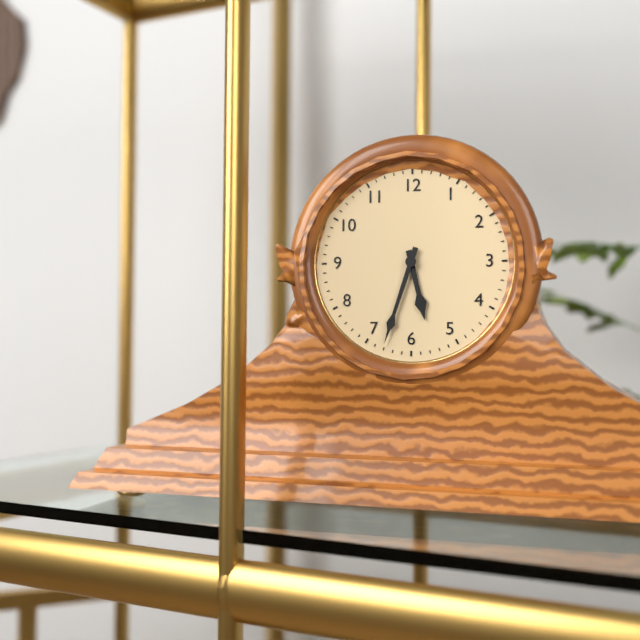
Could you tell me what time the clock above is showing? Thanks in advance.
5:33
